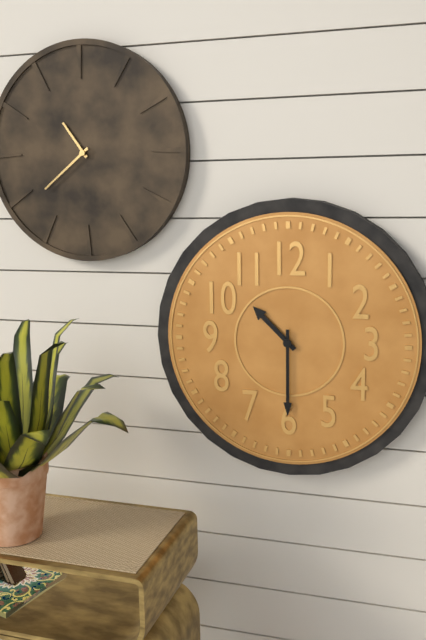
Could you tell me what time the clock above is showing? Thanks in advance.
10:30
